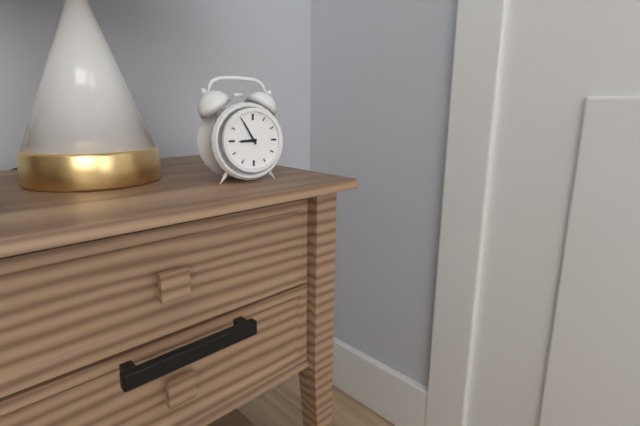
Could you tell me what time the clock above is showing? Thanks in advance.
8:55
